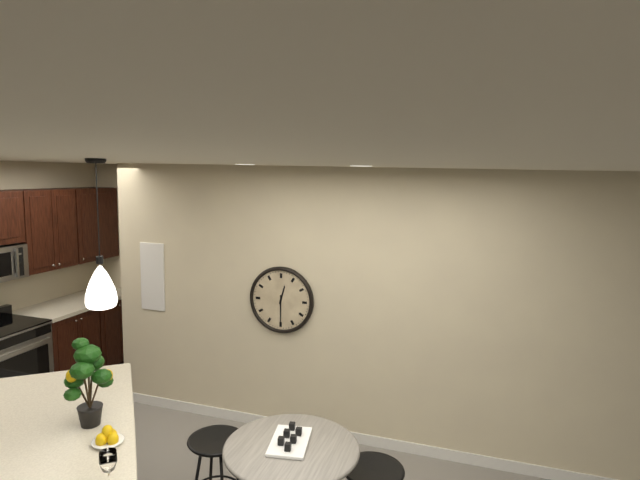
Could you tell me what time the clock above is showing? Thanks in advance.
12:30
